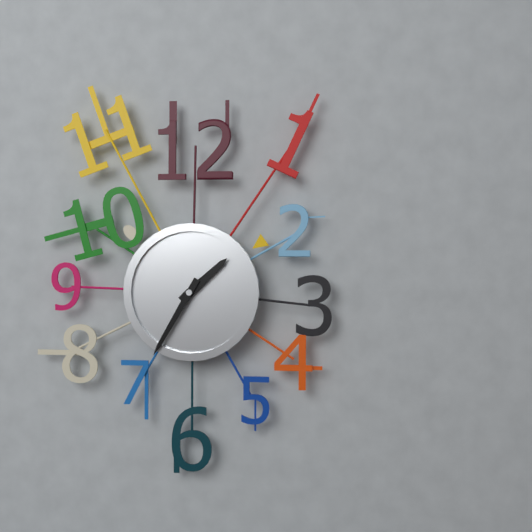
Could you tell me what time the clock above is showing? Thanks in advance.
1:35
